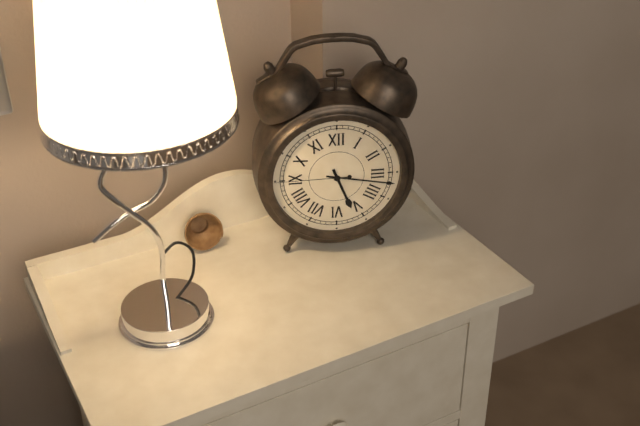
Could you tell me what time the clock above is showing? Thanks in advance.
5:17:45
